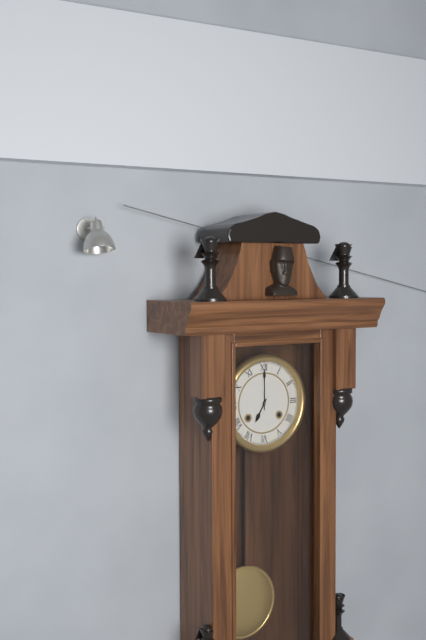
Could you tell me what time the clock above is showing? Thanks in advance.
7:00
